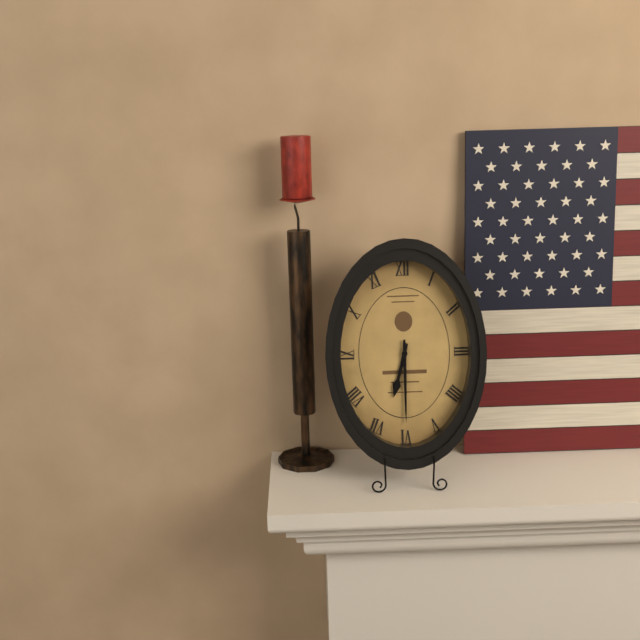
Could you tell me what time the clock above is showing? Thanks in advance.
6:30
